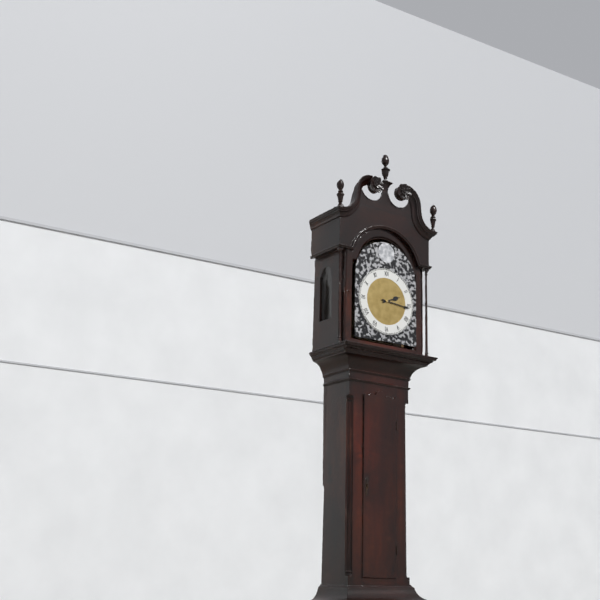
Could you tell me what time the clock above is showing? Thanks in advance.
2:16
